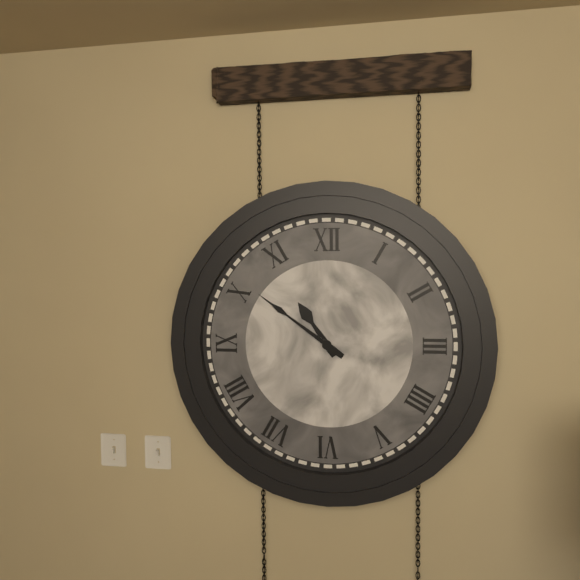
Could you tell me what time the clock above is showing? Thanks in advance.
10:51
